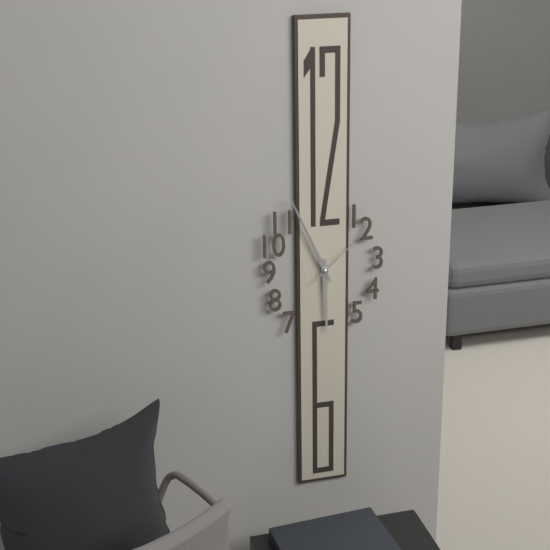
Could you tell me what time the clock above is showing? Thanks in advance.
5:56
